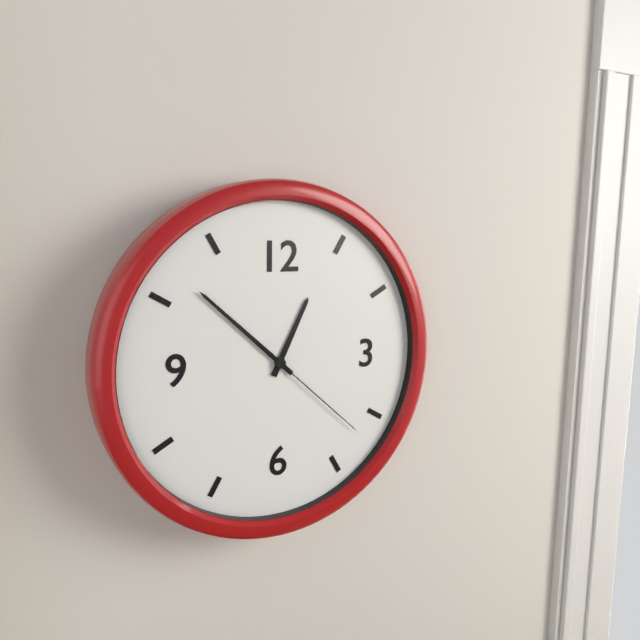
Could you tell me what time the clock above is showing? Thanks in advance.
12:52:22
